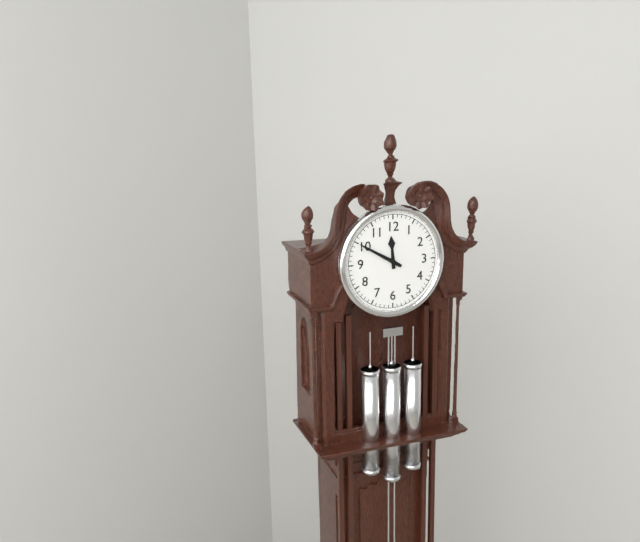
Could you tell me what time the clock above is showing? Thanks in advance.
11:50
